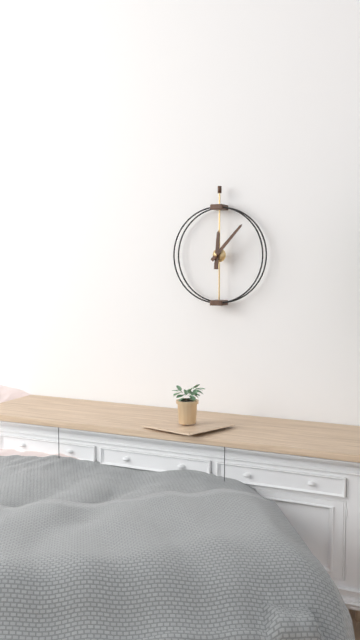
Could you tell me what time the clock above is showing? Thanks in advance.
12:07
